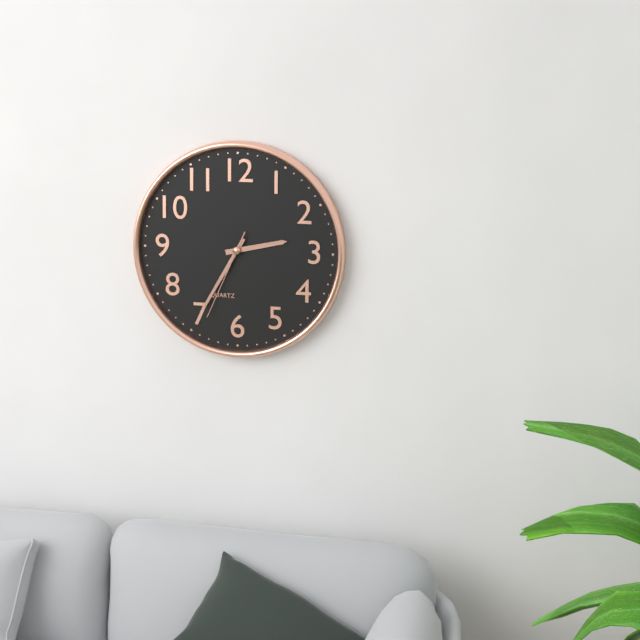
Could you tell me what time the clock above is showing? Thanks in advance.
2:35:34
